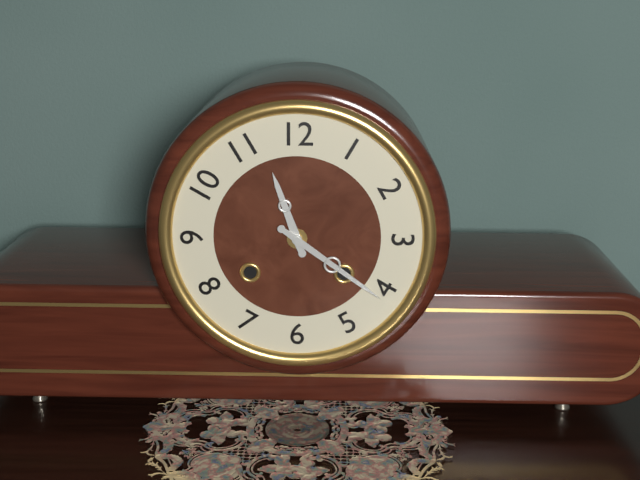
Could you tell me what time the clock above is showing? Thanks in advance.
11:21
